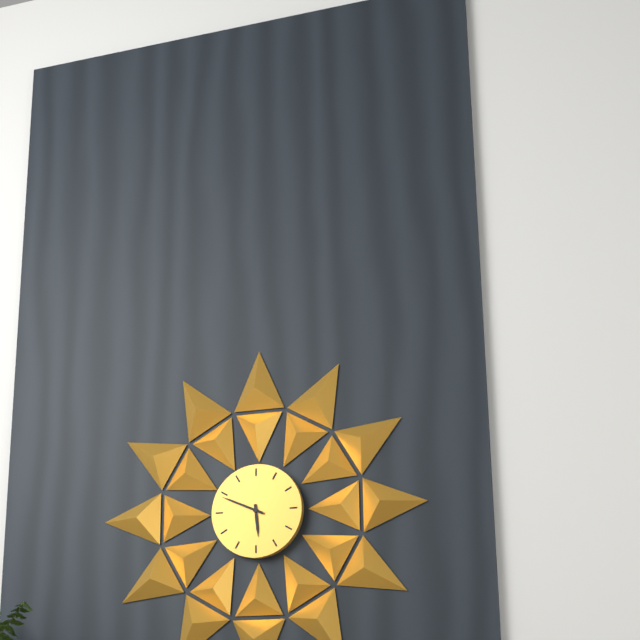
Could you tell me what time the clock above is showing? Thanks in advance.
5:49
